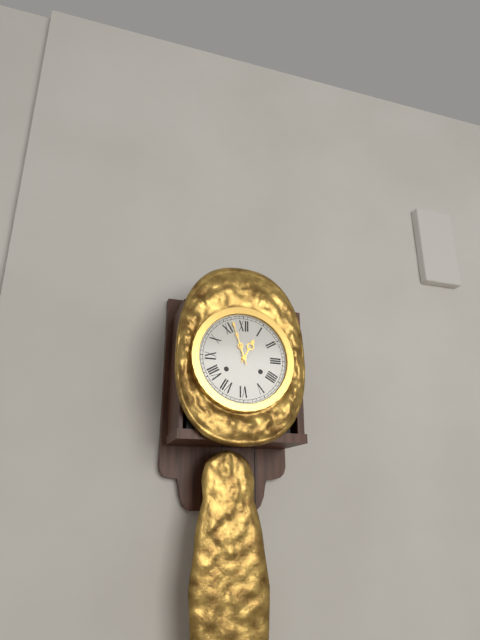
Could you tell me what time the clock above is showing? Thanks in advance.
12:57
